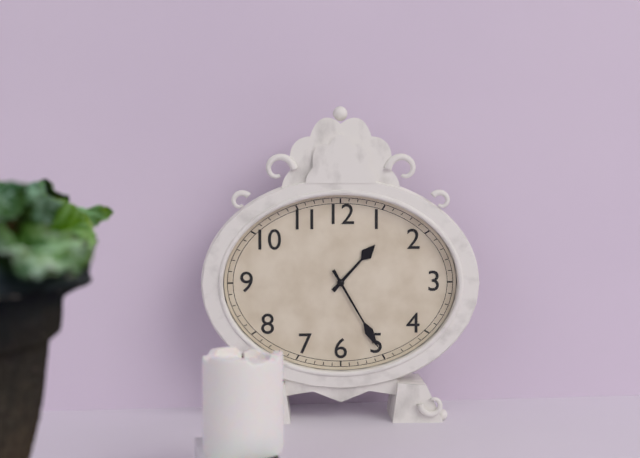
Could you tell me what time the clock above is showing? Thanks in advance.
1:25
